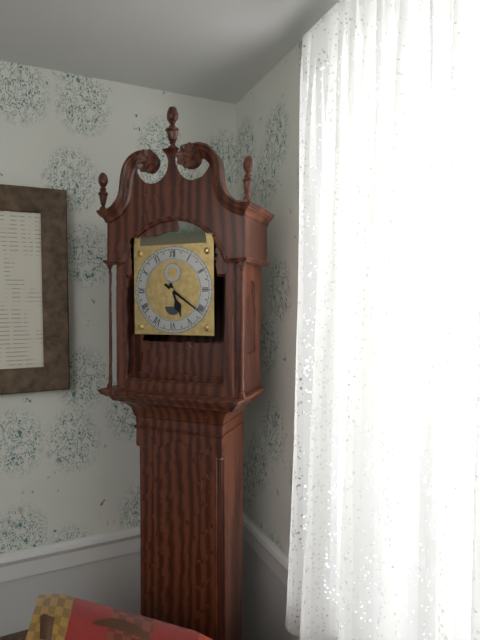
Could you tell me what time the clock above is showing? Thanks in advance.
5:21
